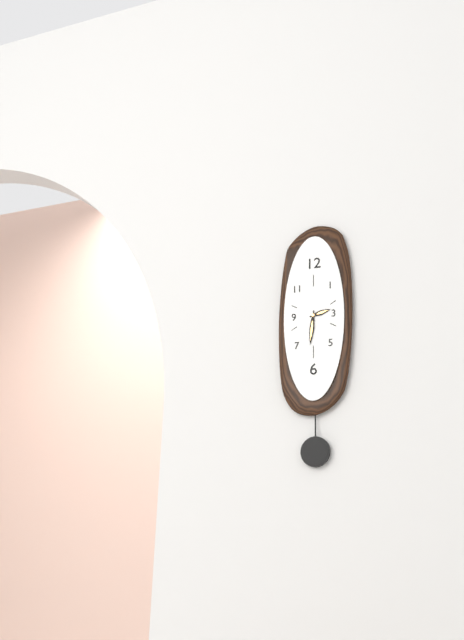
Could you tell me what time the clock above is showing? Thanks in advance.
2:31
